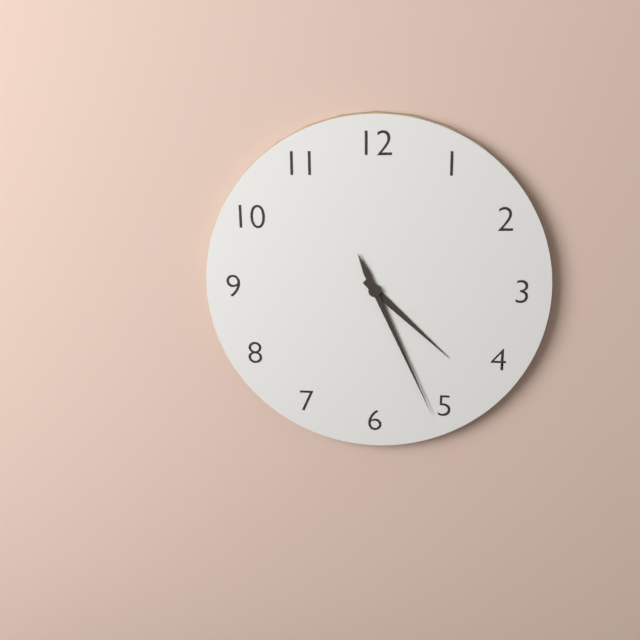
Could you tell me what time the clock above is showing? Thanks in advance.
4:26
